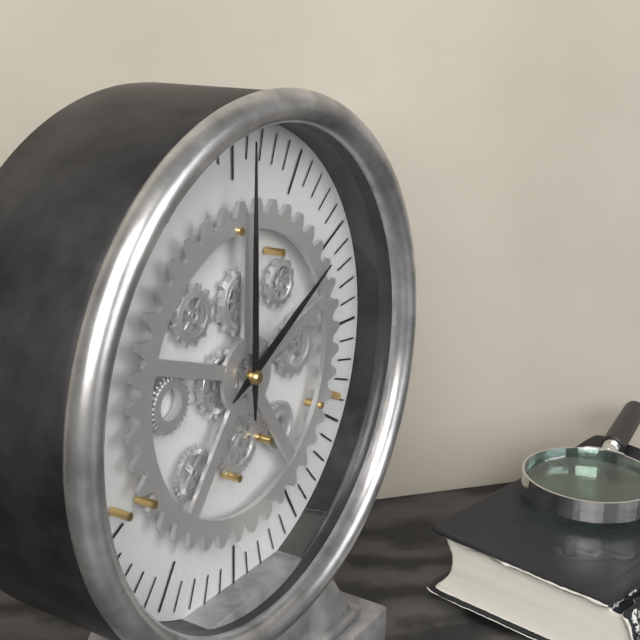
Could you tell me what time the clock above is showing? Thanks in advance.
2:00
